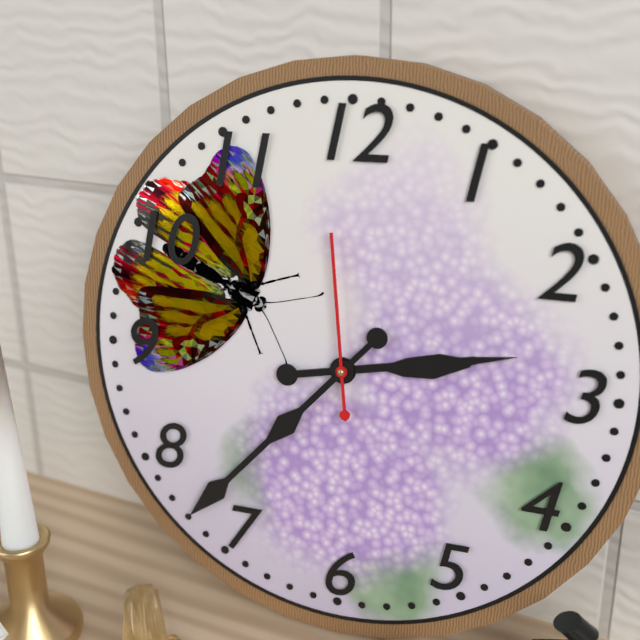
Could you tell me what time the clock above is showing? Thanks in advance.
2:37:59
